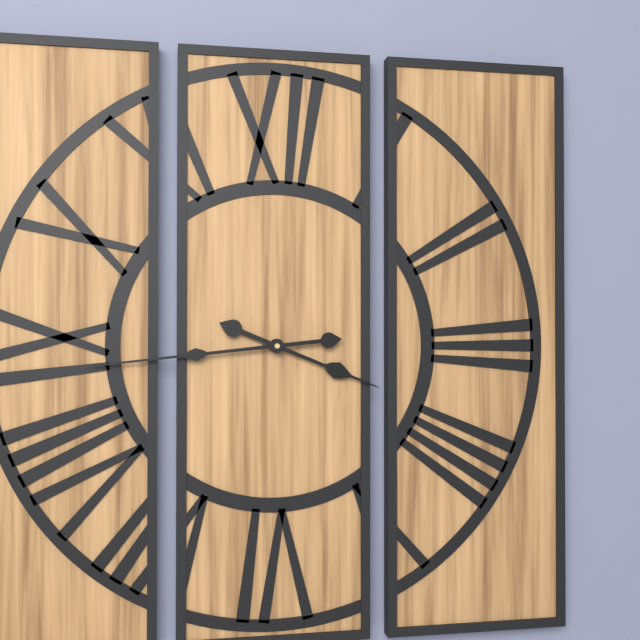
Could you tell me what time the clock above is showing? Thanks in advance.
3:44
